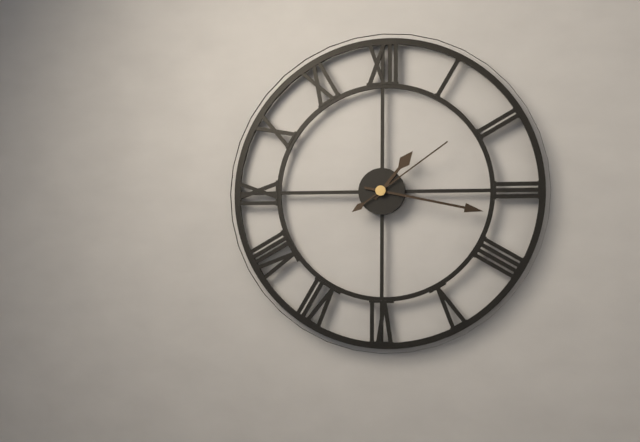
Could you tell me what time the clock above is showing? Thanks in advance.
1:17:09
